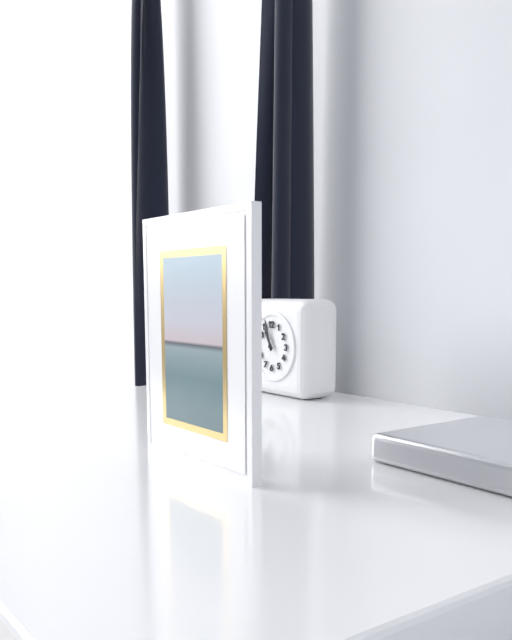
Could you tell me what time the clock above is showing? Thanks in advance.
10:57
